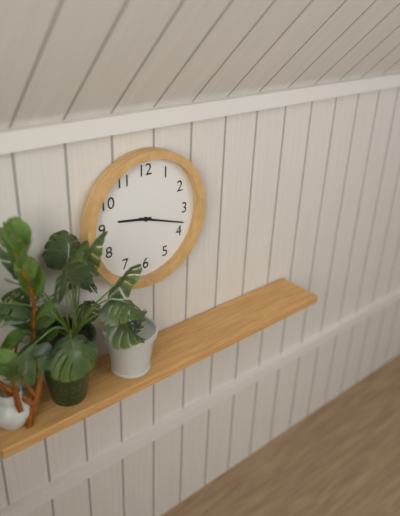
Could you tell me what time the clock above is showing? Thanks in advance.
9:18
